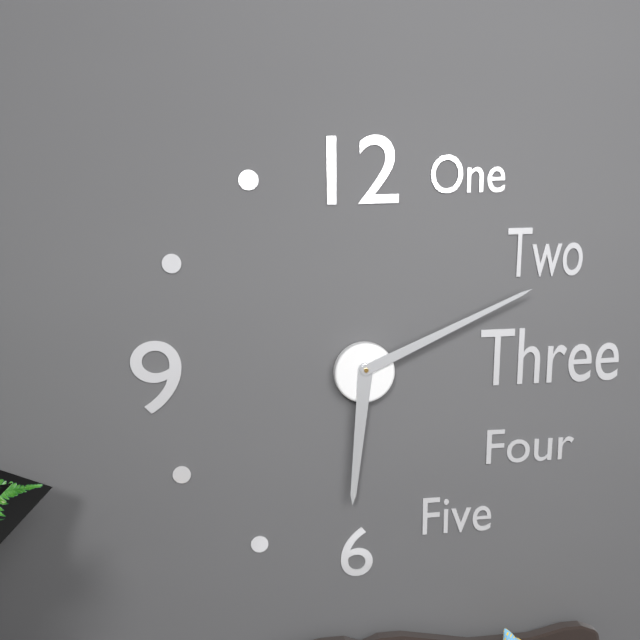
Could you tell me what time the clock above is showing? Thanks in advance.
6:11
